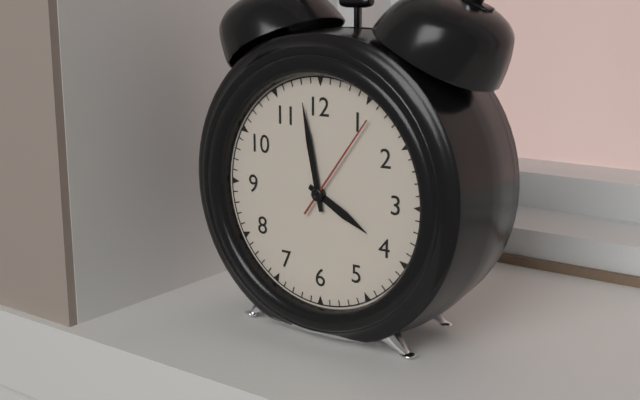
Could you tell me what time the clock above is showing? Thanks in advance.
3:58:06
